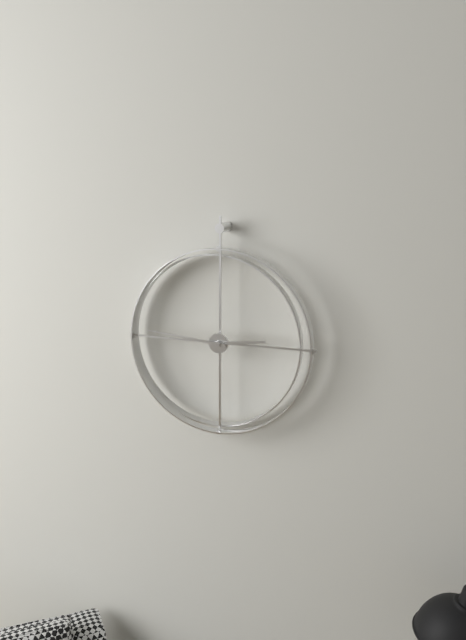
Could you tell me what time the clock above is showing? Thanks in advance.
2:46
